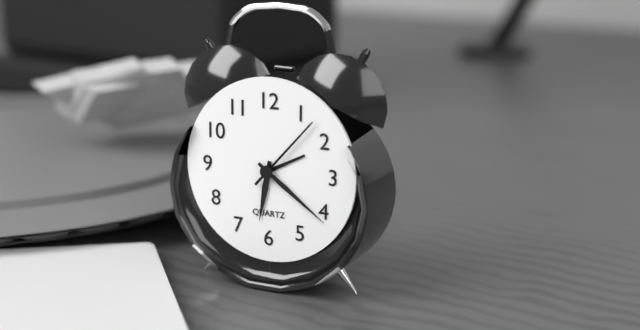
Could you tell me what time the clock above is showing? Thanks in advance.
6:21:07
